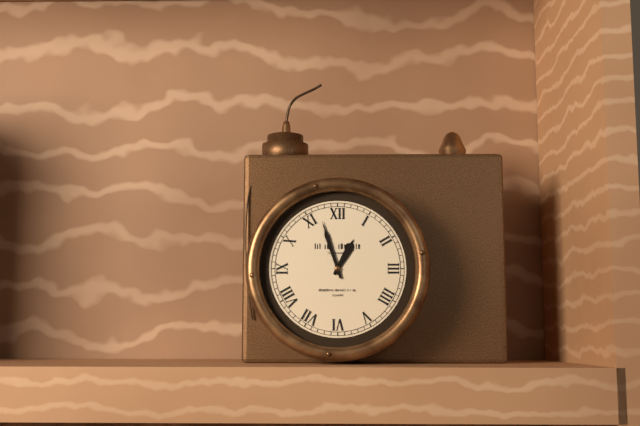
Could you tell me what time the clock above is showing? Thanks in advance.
12:57
